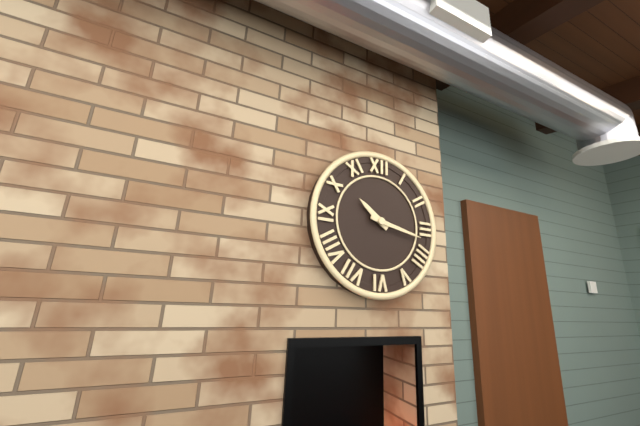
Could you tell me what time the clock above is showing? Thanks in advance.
10:17
